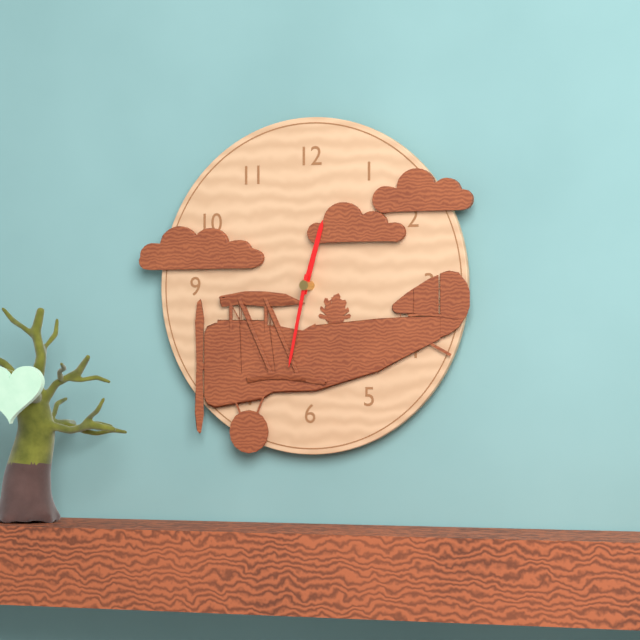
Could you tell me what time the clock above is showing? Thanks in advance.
12:32
